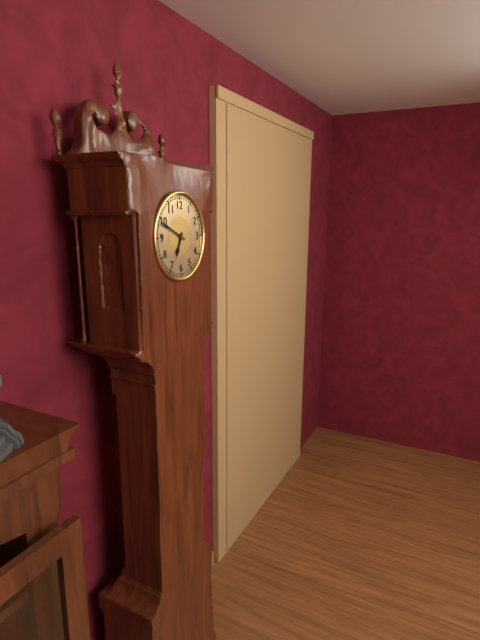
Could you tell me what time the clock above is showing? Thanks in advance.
6:49
